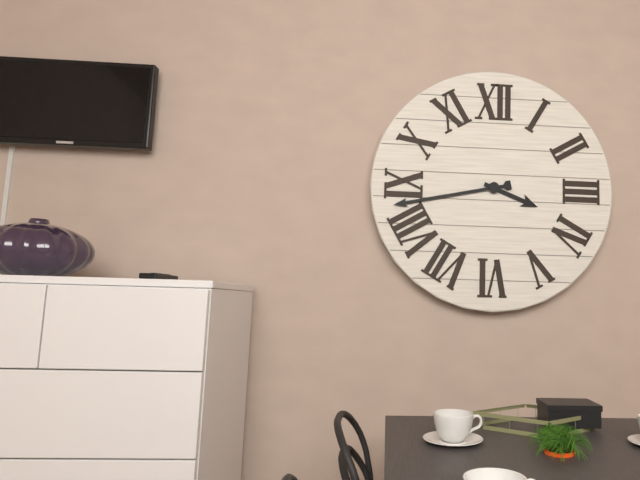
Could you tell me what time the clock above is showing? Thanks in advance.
3:43
